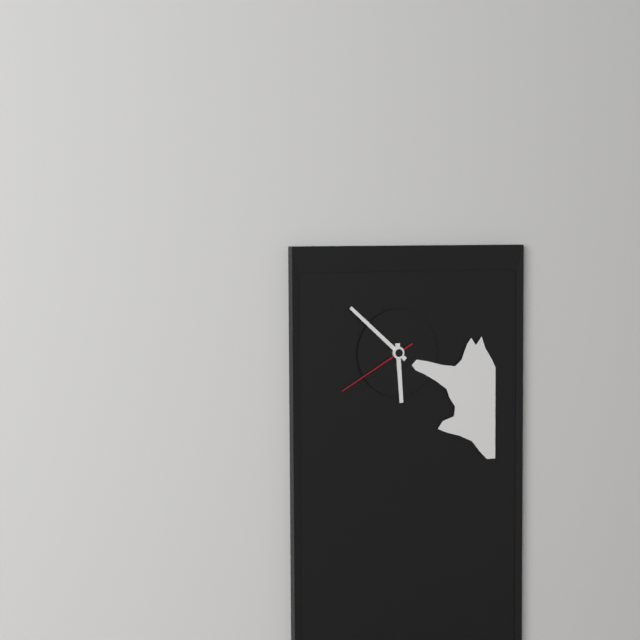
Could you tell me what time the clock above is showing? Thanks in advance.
5:52:40
